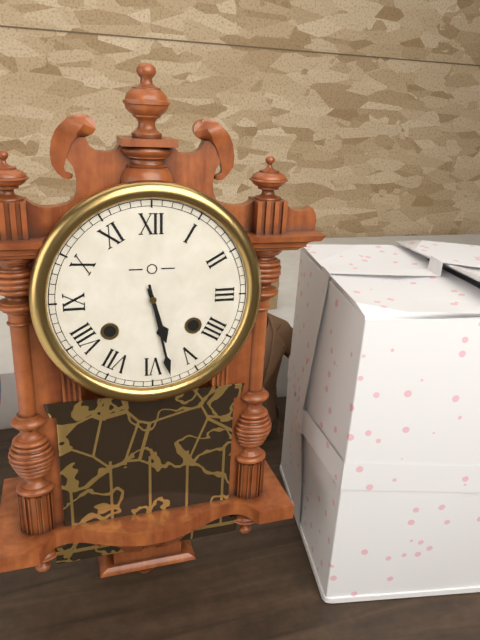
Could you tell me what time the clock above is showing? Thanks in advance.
5:28
